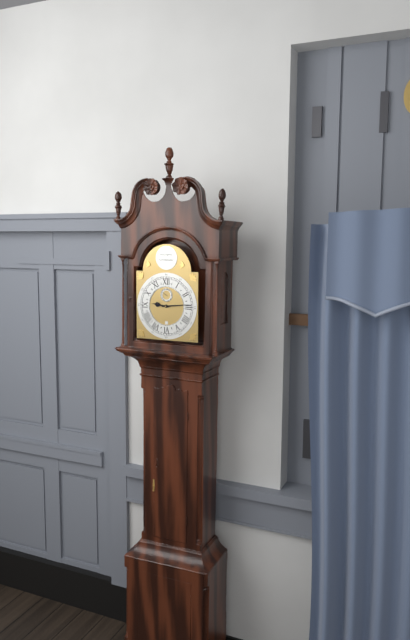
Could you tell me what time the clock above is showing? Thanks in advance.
9:14
